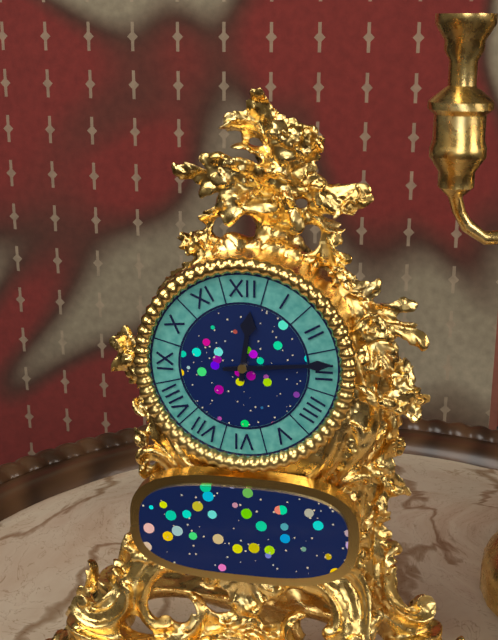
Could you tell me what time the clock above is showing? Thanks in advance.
12:14
